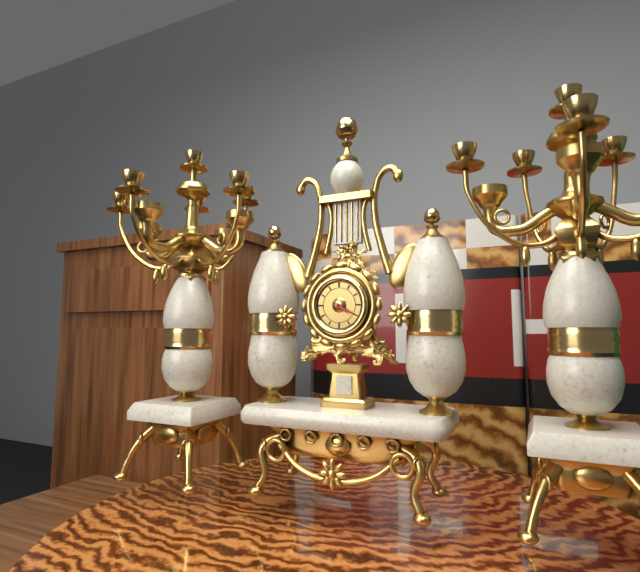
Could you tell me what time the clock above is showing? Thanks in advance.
4:20
